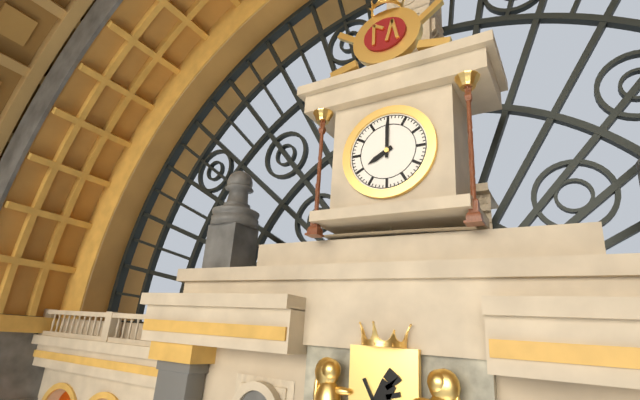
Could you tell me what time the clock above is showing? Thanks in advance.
8:00
